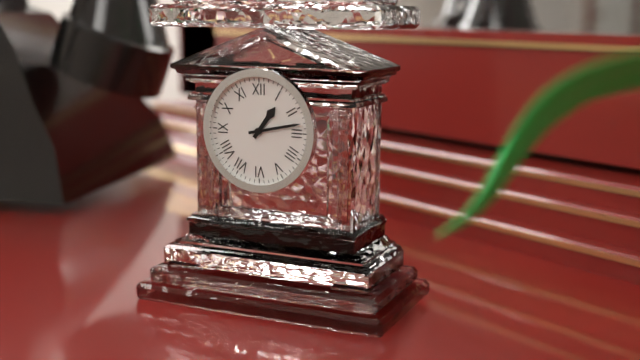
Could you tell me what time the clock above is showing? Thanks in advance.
1:13
